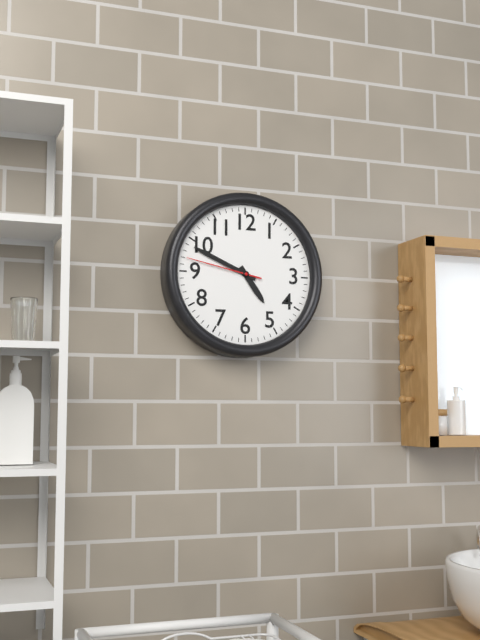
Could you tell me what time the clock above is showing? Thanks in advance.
4:49:47
